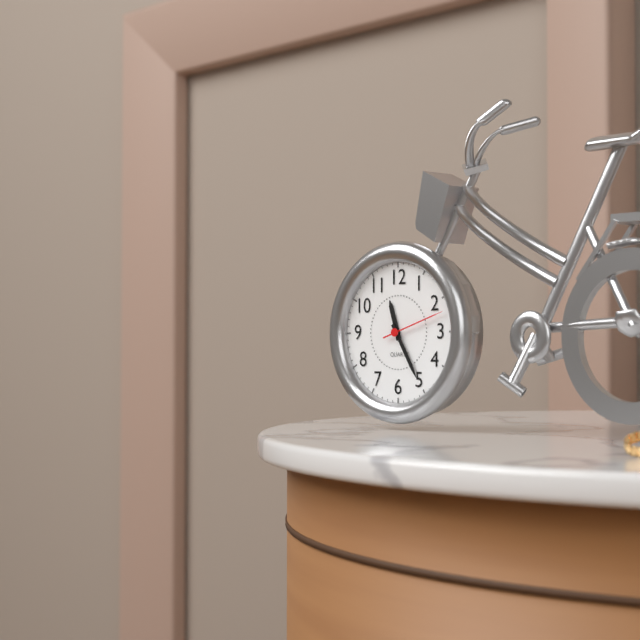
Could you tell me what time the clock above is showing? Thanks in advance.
11:25:12
